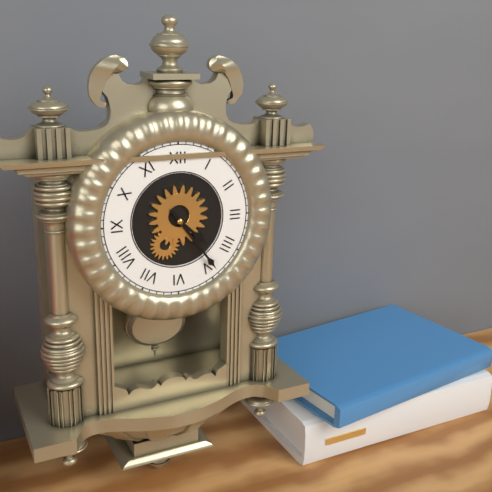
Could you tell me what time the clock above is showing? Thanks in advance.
4:24
